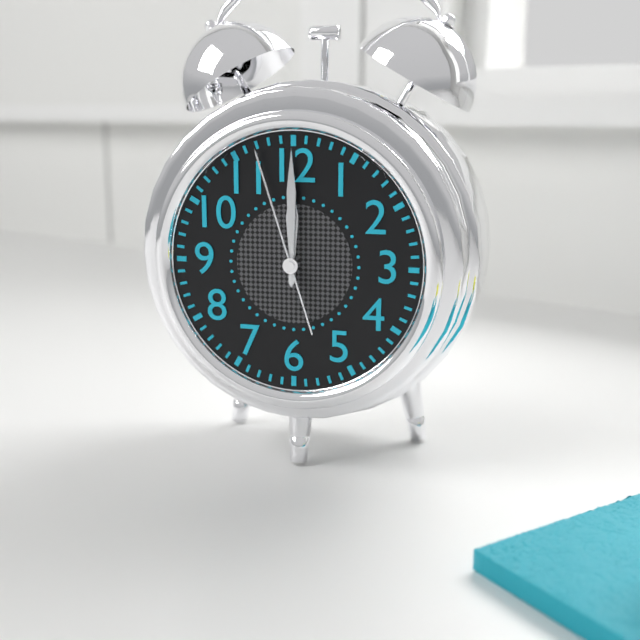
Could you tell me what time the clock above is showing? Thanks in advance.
12:00:57
